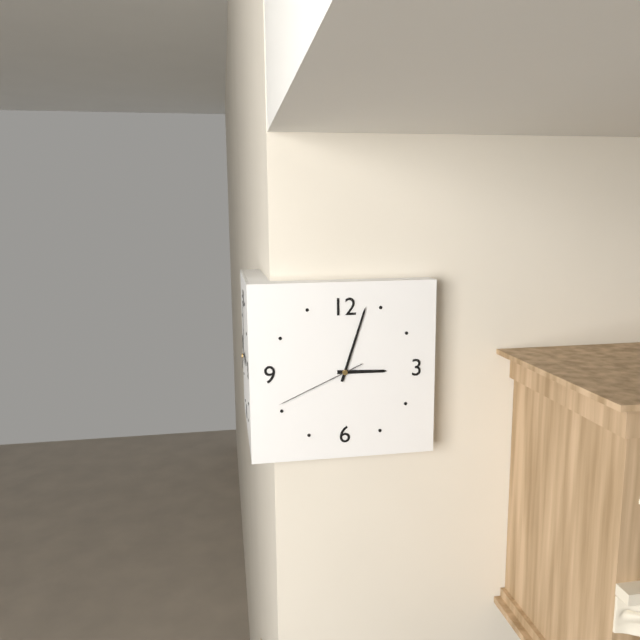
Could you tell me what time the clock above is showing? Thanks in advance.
3:03:41
